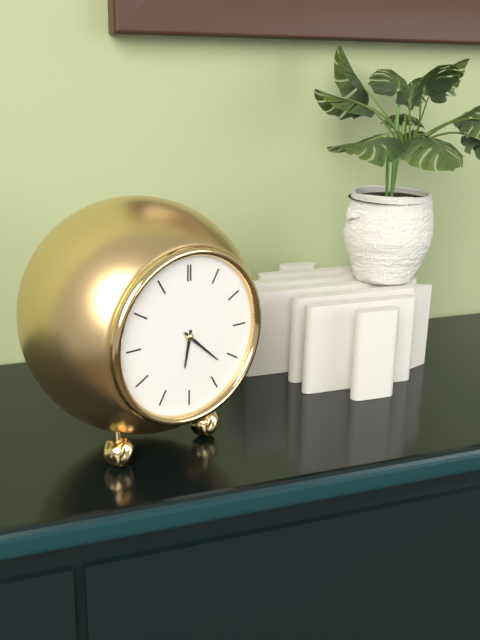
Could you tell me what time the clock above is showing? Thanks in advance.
6:22
